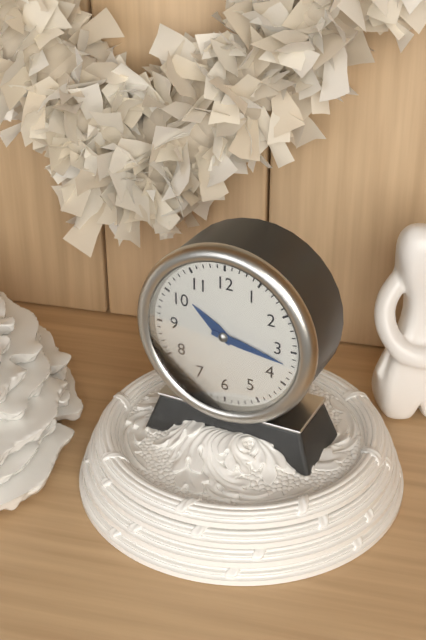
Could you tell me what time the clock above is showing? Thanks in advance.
10:17
